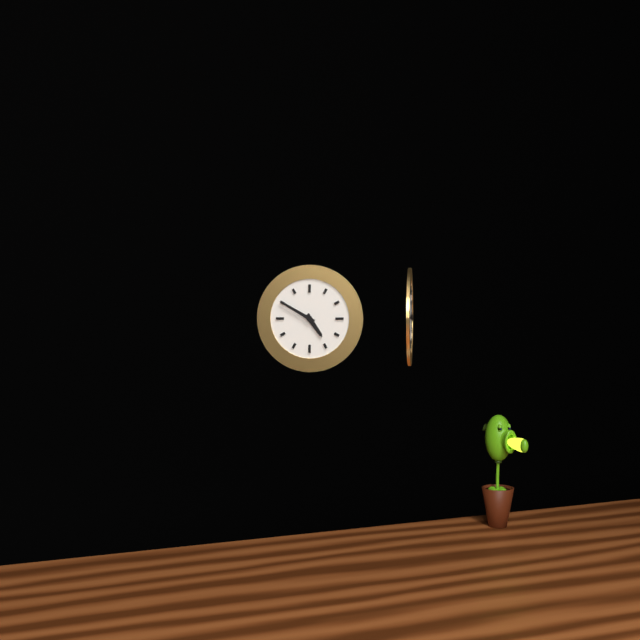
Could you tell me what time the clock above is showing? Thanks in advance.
4:50
